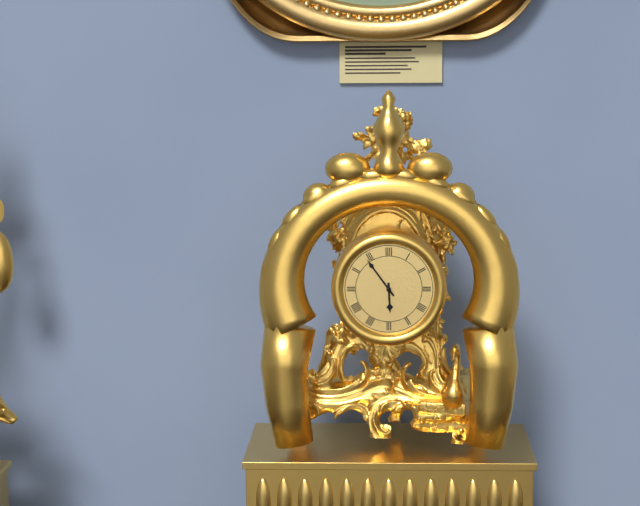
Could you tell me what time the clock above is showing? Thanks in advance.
5:54
